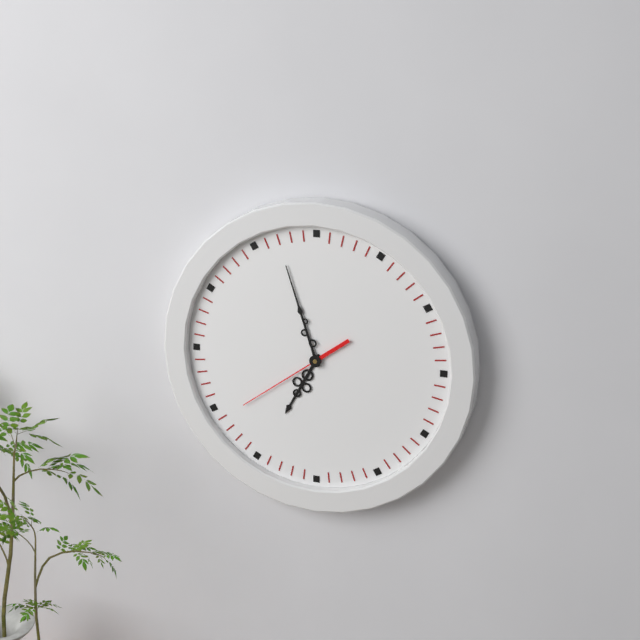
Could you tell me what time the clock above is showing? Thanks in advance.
6:57:39
